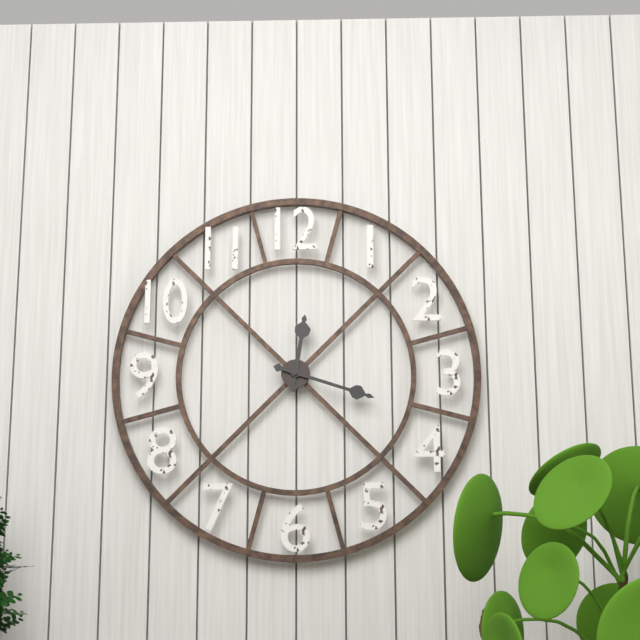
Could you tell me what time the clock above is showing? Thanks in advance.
12:18
